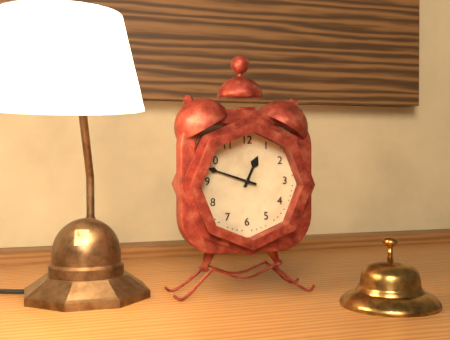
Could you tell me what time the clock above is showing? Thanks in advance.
12:48
